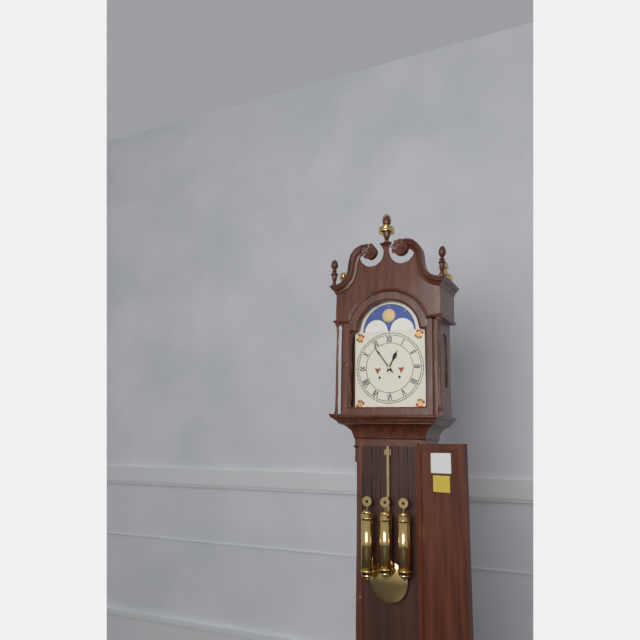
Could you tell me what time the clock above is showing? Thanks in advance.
12:54
